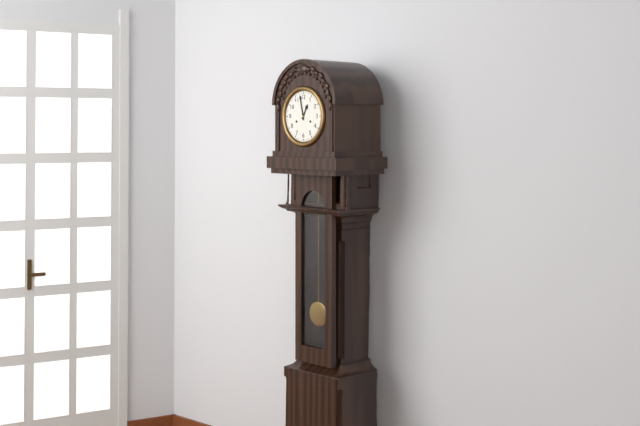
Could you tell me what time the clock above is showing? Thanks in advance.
12:58
